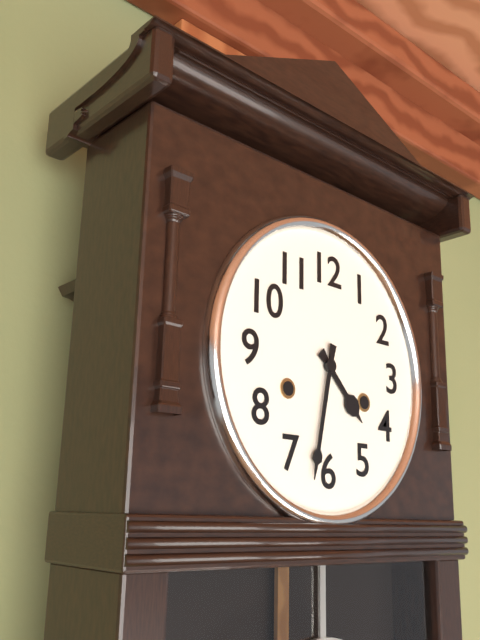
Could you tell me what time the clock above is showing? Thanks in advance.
4:32
